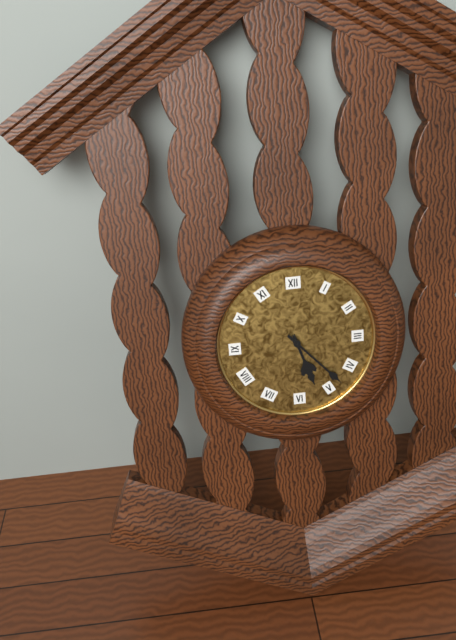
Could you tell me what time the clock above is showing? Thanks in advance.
5:23
